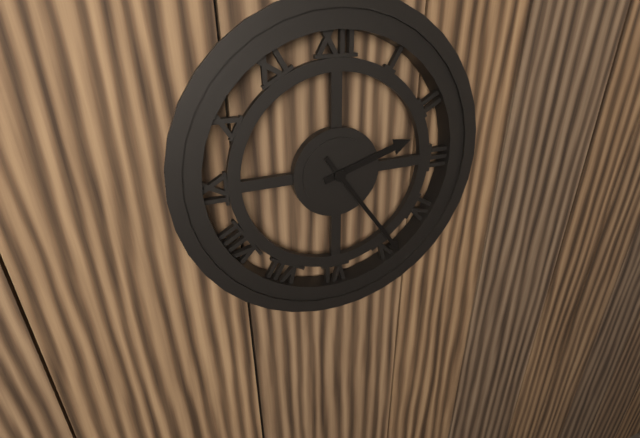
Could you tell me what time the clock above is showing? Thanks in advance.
2:24
